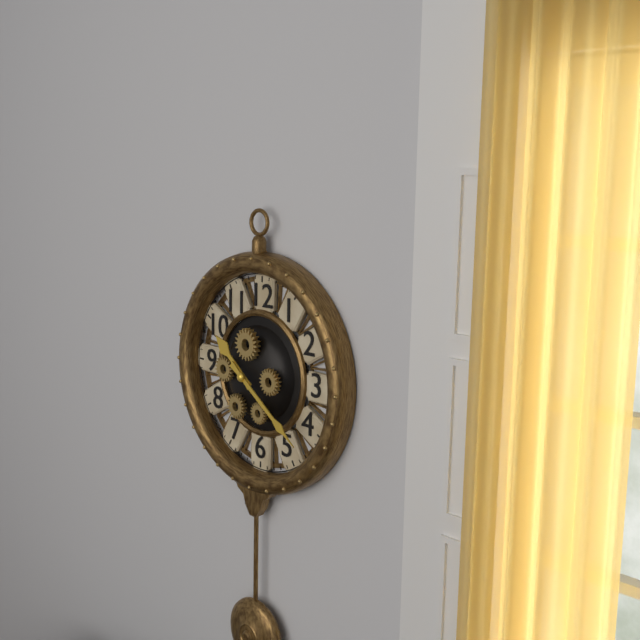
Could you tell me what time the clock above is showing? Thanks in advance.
10:21
